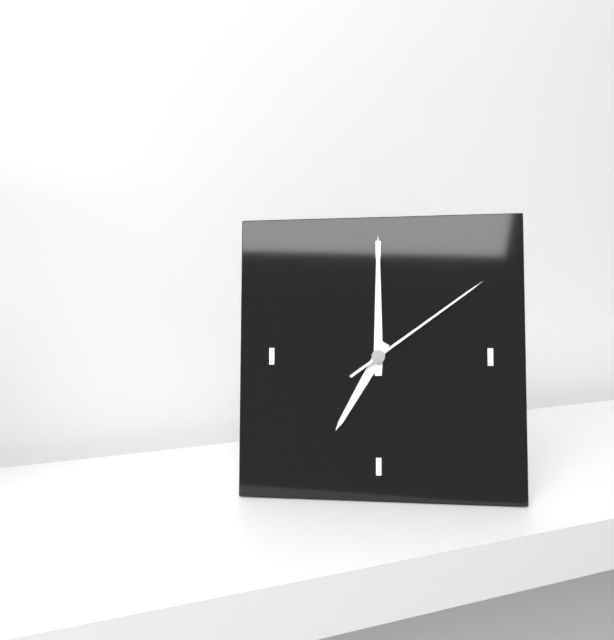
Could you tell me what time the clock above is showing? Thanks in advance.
7:00:09
